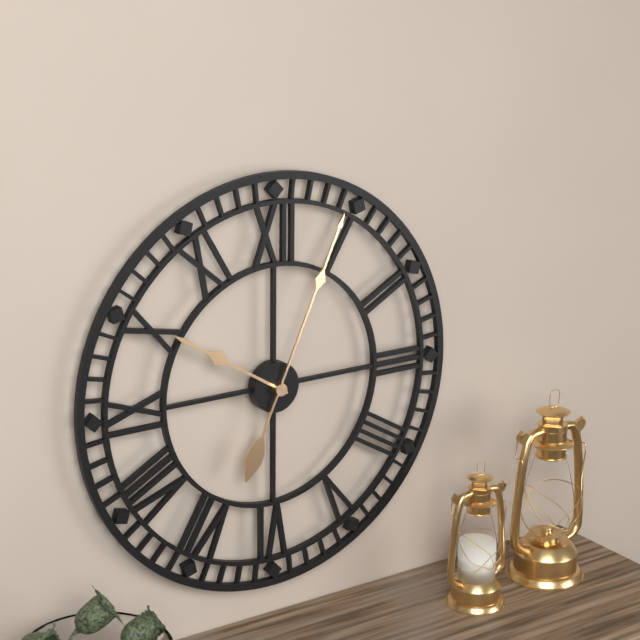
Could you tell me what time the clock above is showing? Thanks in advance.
10:04
